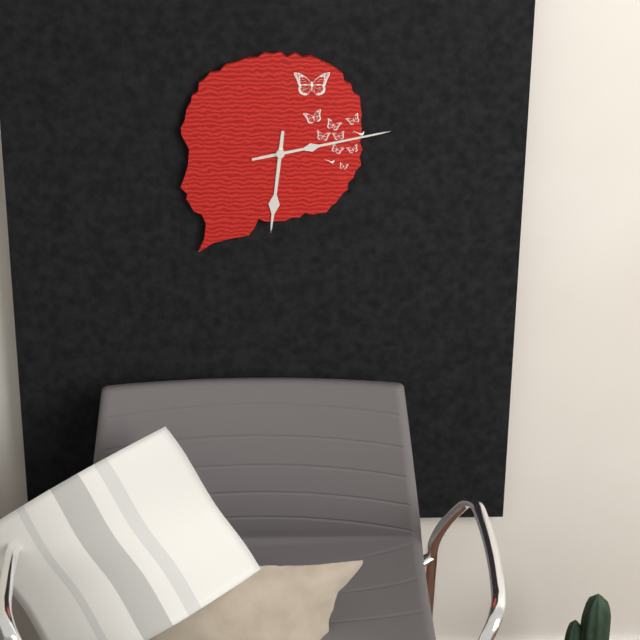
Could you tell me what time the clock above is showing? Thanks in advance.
6:13
